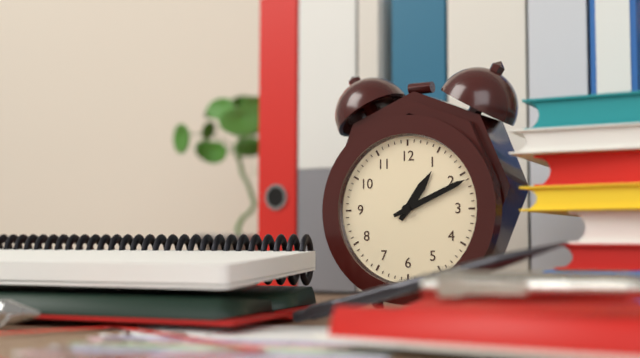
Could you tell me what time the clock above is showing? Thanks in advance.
1:11
